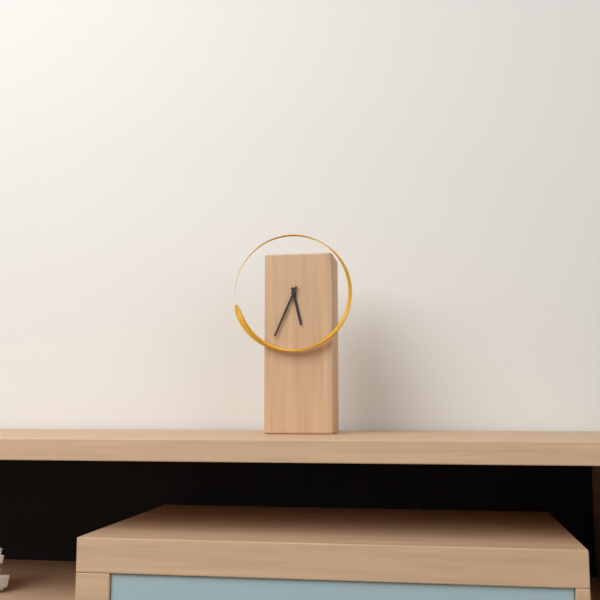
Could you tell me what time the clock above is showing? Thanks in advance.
5:34
